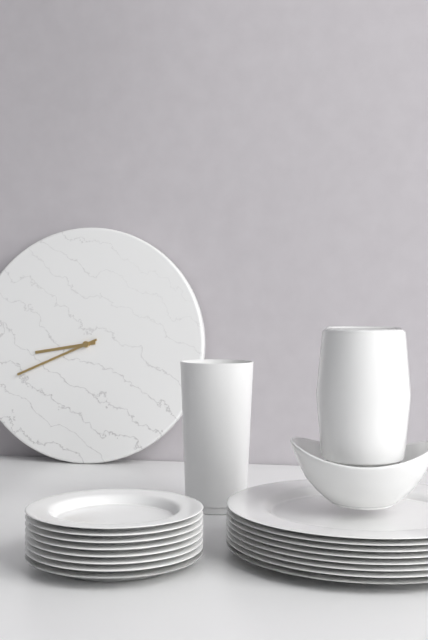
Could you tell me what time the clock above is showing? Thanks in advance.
8:41
